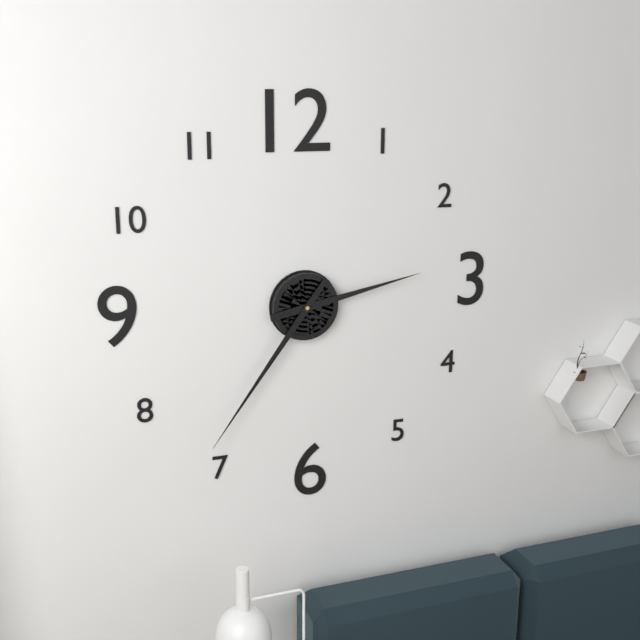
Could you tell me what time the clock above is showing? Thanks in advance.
2:36
